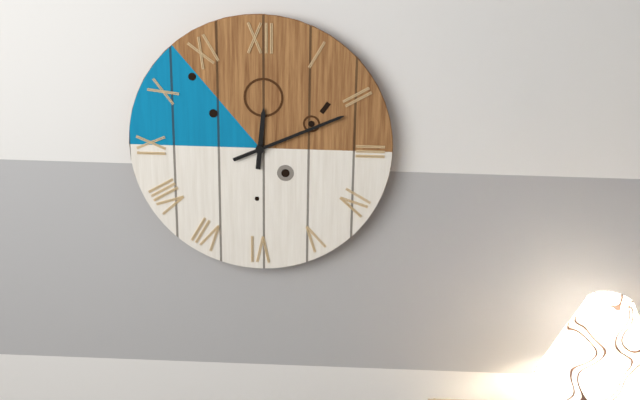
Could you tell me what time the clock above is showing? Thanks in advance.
12:11
